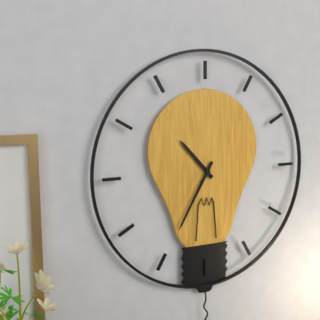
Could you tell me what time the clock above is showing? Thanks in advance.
10:35
